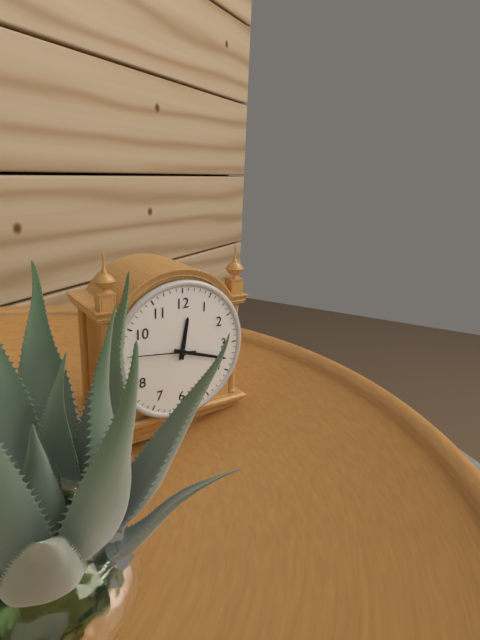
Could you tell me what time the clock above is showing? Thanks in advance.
12:18:46
